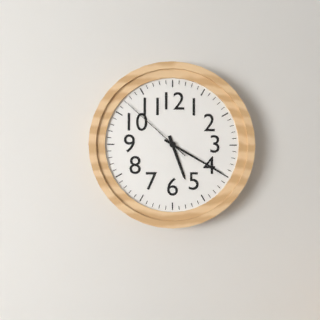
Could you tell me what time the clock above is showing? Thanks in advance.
5:20:52
